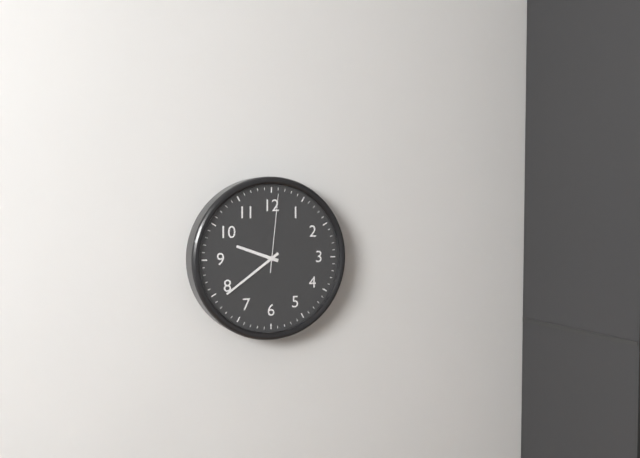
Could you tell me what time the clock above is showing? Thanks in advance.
9:39:01
